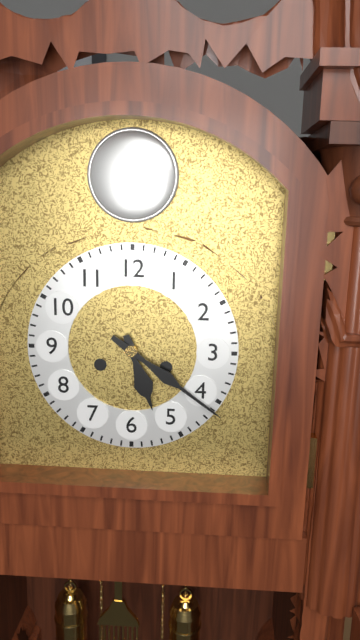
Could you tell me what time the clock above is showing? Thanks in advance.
5:21
